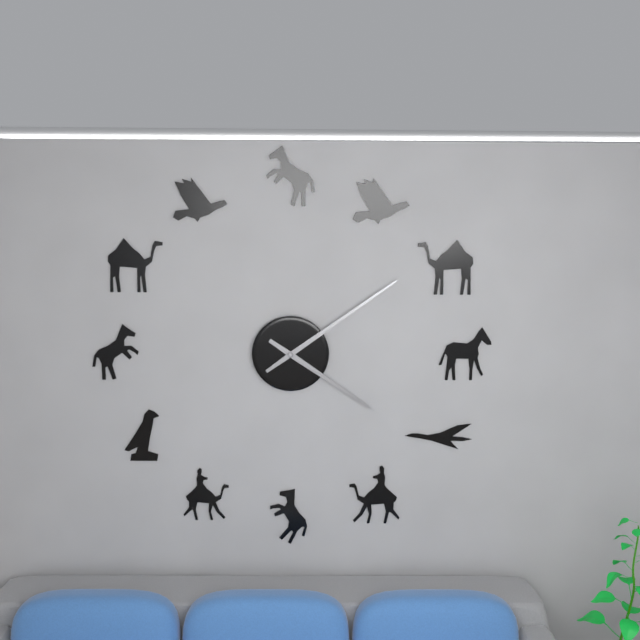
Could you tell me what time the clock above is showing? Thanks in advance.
4:09
